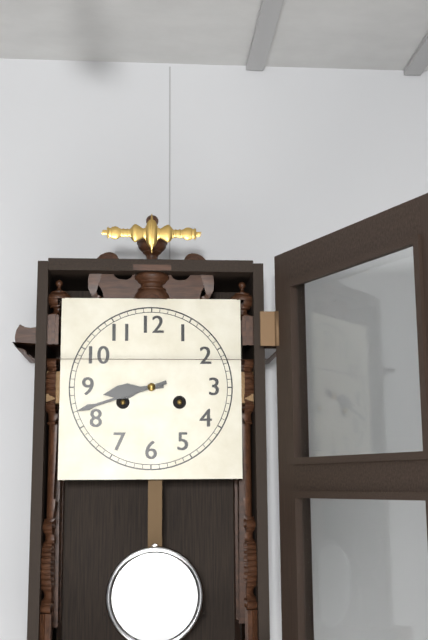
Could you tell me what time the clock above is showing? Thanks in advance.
8:42
